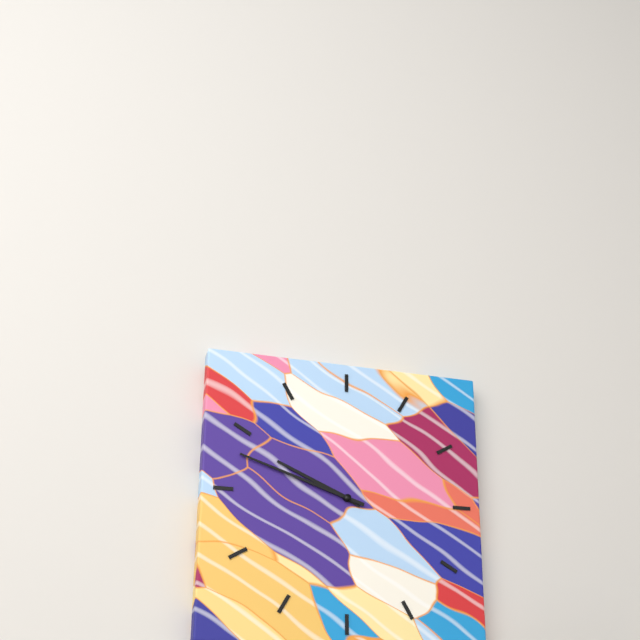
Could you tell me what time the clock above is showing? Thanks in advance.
9:48
